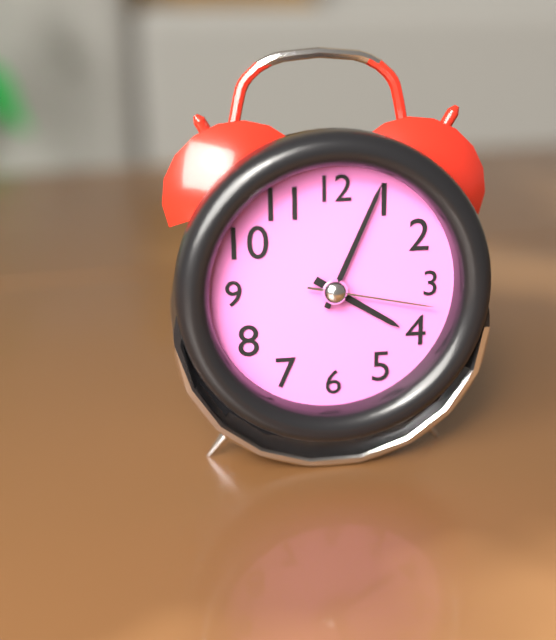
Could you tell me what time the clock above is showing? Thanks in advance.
4:04:17
